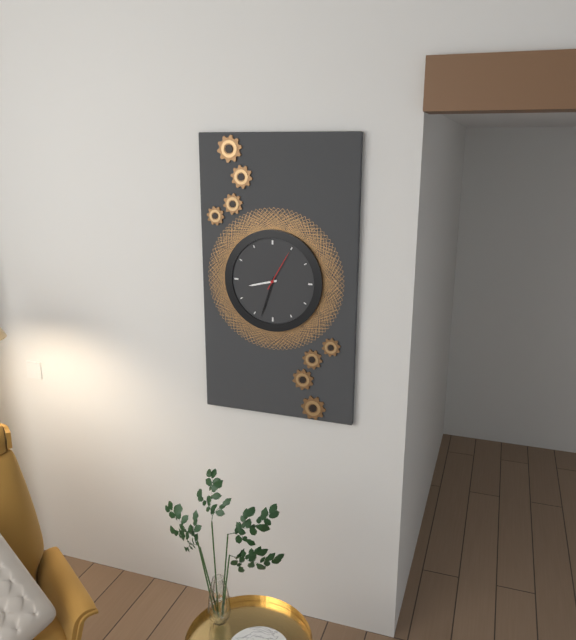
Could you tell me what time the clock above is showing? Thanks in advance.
8:33
